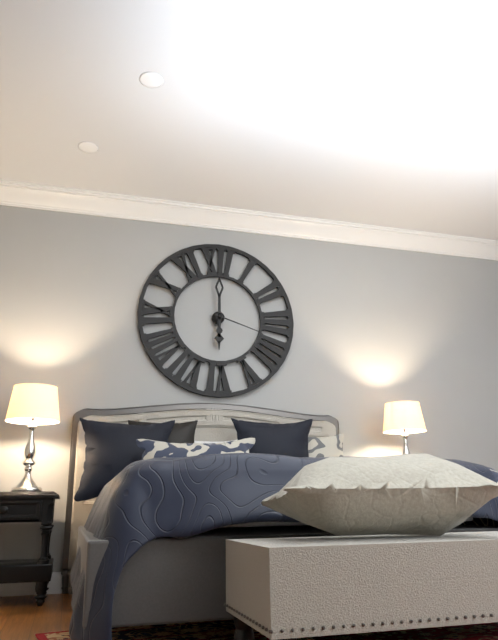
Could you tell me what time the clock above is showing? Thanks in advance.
6:00:18
